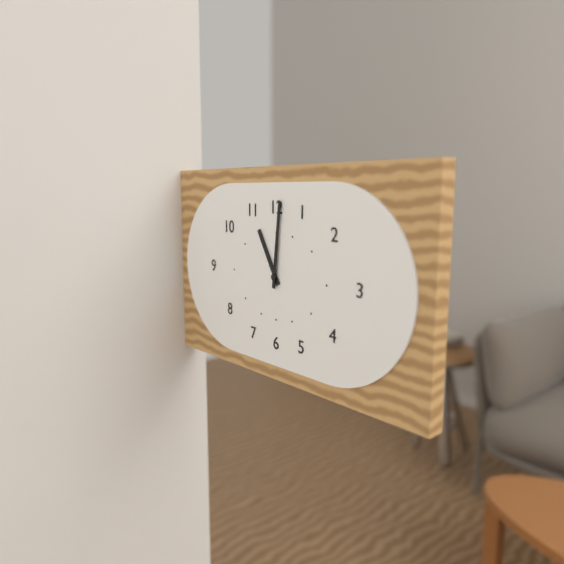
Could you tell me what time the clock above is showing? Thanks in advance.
11:01
